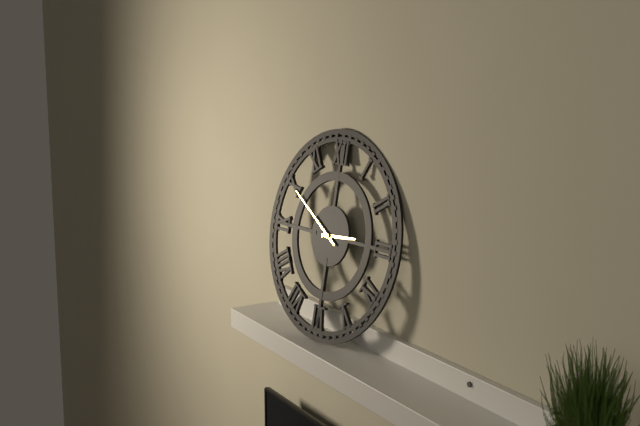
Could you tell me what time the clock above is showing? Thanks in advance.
2:50
